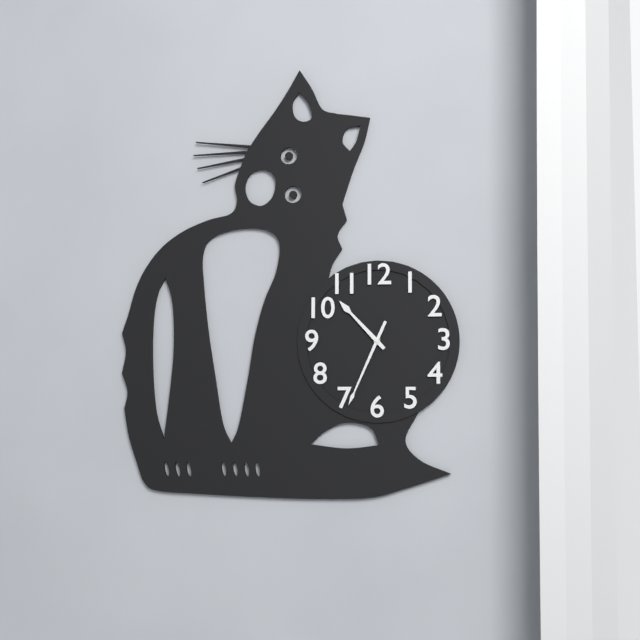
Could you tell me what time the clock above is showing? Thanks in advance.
10:34
